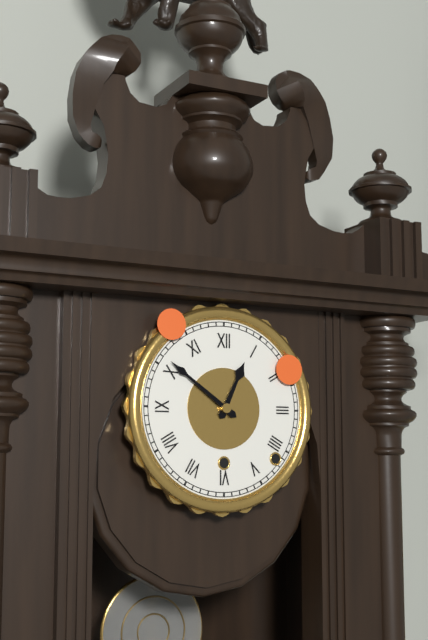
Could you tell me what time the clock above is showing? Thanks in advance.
12:51
